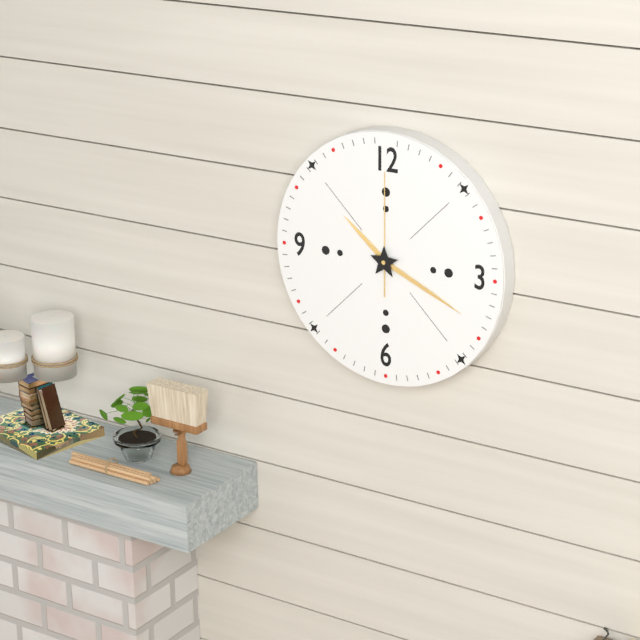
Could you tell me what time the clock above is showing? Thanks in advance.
10:19:00
